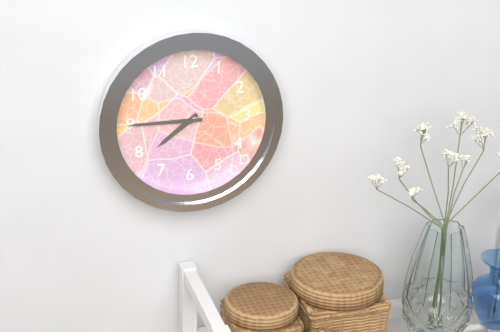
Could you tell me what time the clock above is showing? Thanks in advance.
7:45
